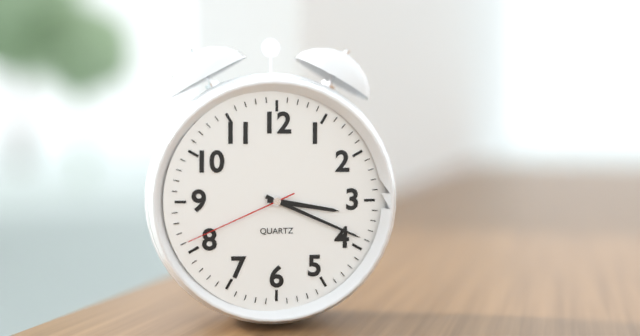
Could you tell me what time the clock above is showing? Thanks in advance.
3:19:41
